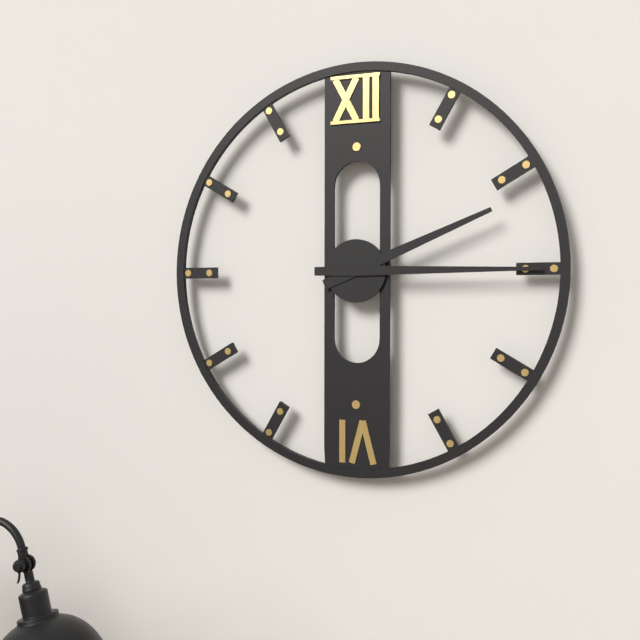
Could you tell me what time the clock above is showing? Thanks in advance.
2:15
